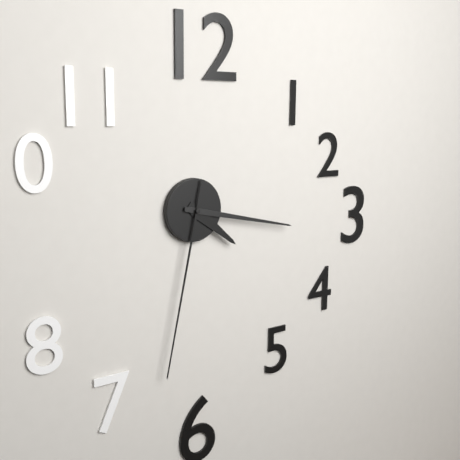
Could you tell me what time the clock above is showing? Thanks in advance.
4:17:32
